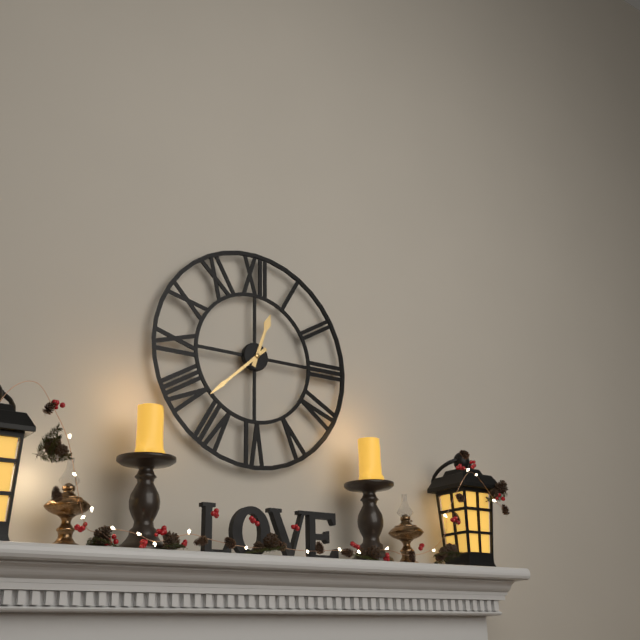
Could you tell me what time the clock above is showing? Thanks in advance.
12:38
